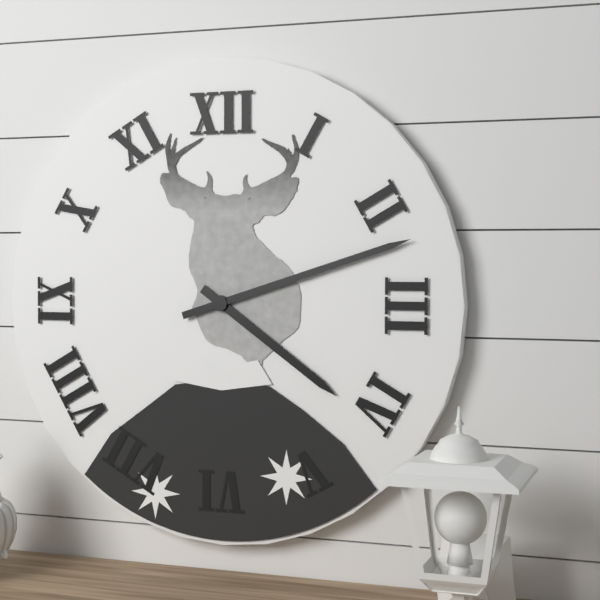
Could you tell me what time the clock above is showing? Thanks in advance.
4:12
